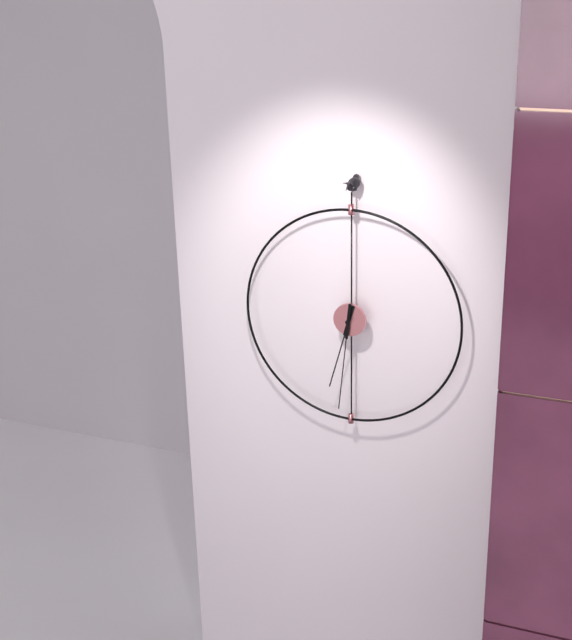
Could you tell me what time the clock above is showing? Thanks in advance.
6:31
